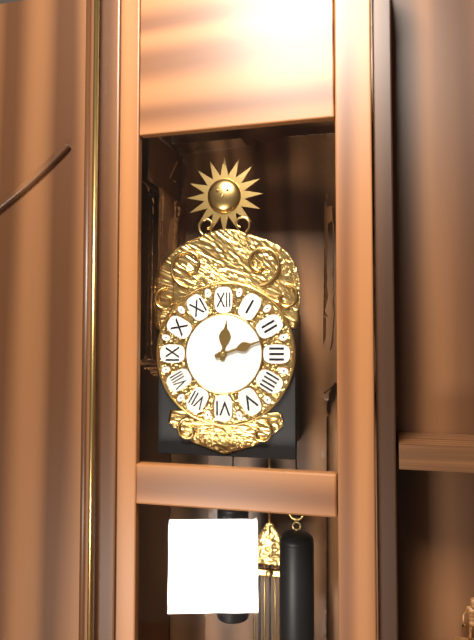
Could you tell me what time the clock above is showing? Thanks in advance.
12:12
